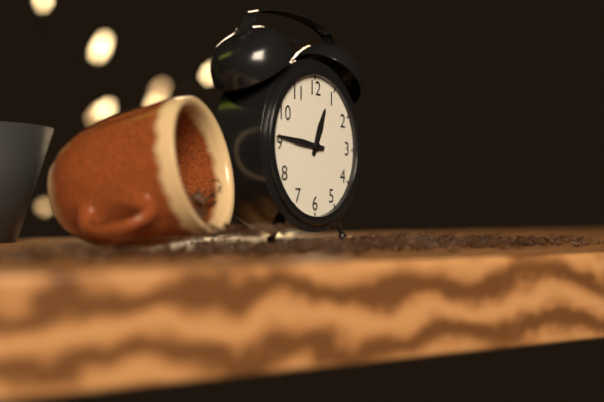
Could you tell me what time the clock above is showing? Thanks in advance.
12:46
